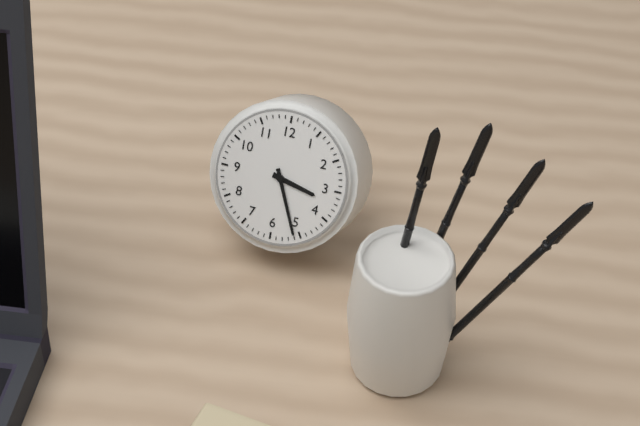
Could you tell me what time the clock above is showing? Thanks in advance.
3:26
